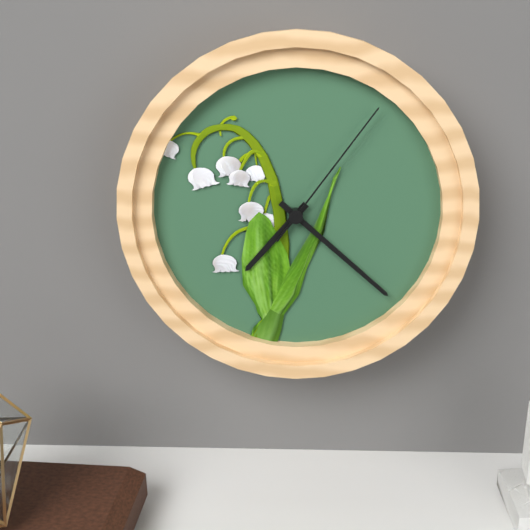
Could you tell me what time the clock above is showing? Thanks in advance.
7:22:06
